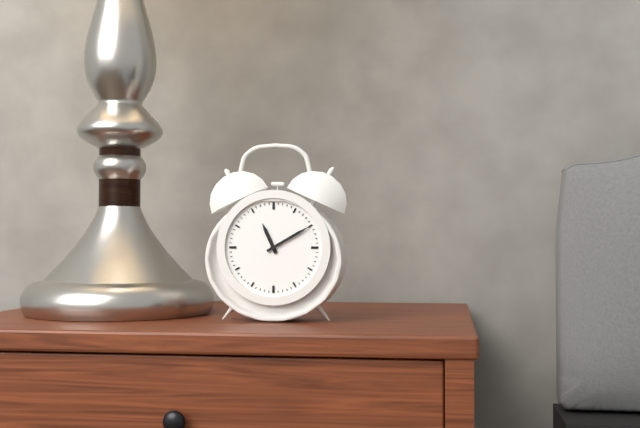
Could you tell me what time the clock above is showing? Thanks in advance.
11:10
